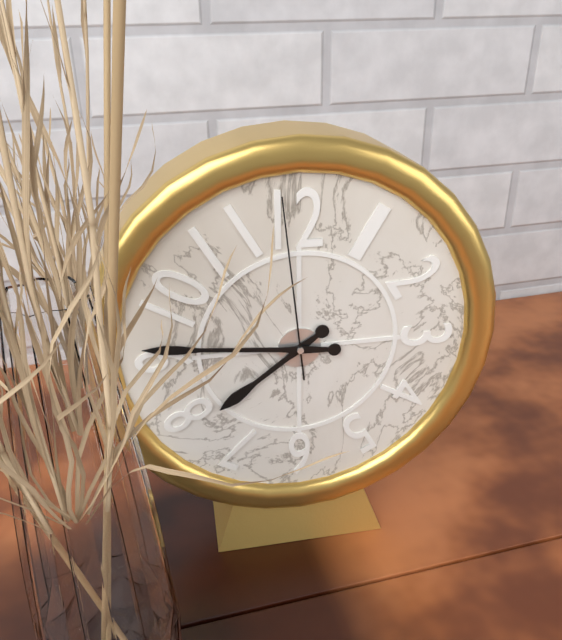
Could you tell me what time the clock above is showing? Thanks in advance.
7:46:59
